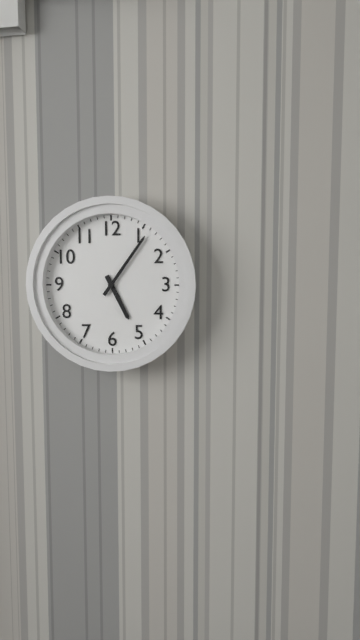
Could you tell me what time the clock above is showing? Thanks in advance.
5:06
